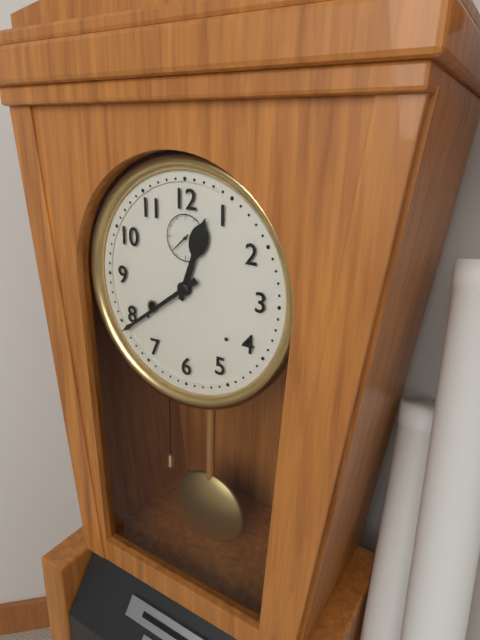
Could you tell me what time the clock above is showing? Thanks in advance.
12:39
